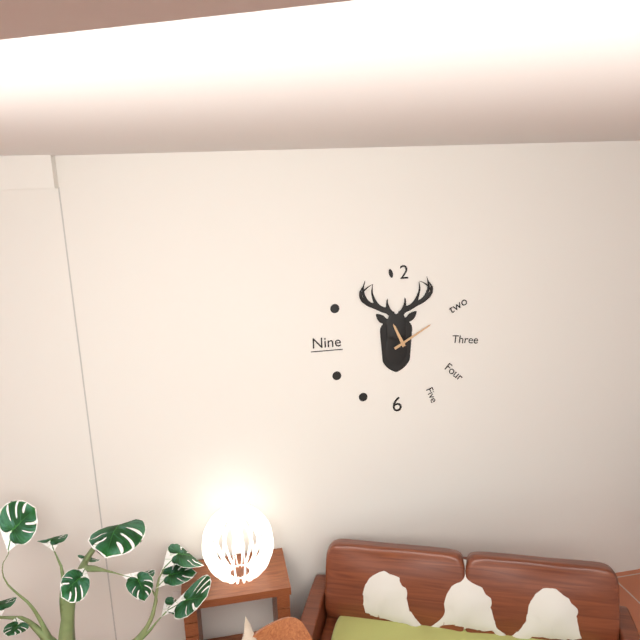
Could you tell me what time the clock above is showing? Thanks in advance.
11:10
